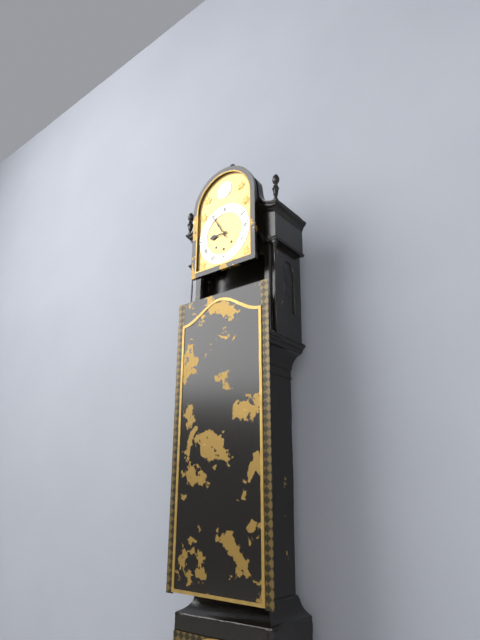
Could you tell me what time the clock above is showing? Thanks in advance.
8:55
